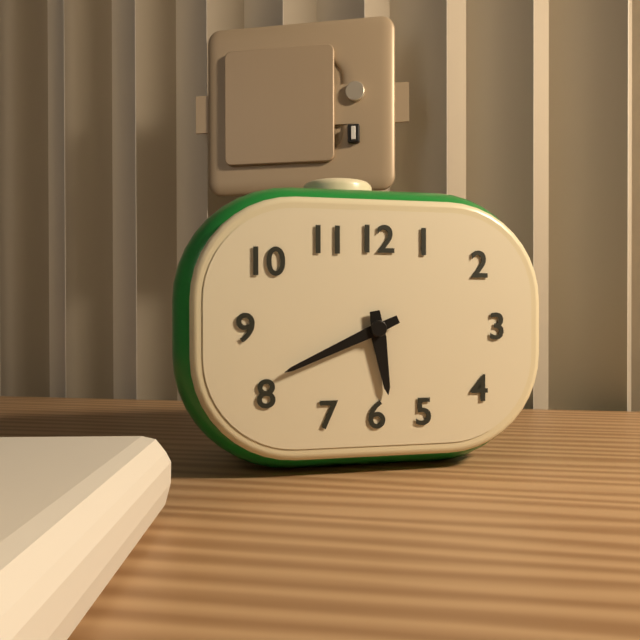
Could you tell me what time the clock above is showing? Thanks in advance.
5:41
